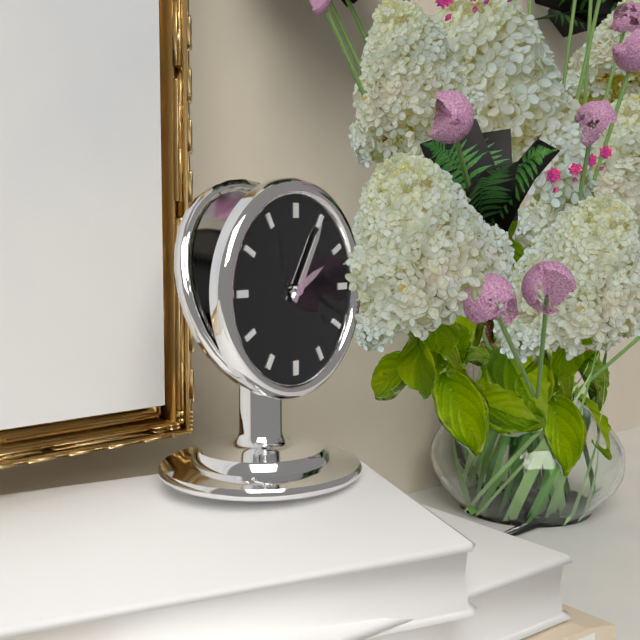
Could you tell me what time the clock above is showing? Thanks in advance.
2:05
